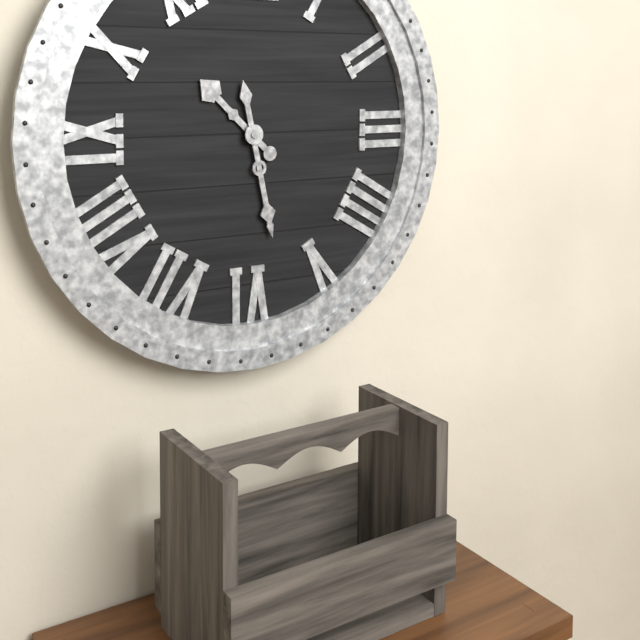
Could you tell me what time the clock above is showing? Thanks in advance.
10:28
